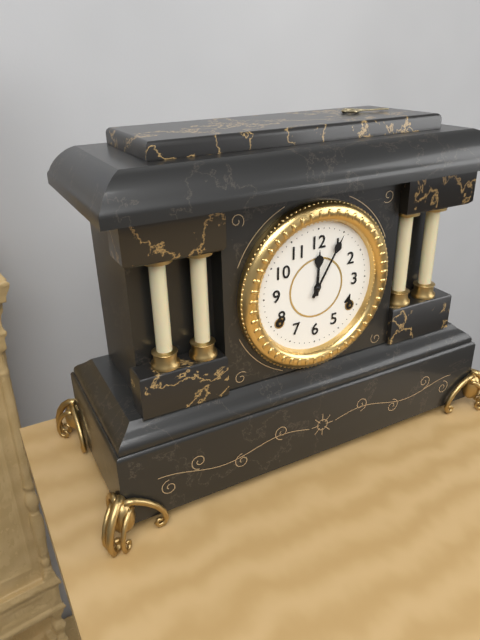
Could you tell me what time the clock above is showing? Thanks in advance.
12:05
